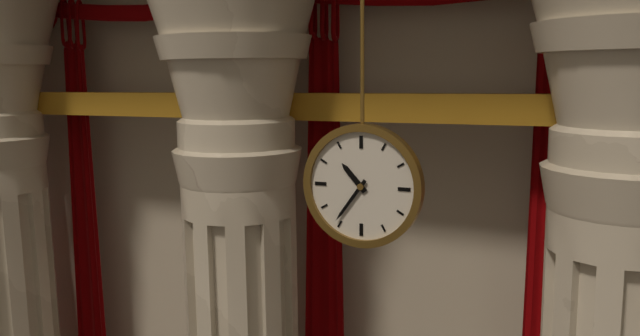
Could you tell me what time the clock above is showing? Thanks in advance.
10:36
